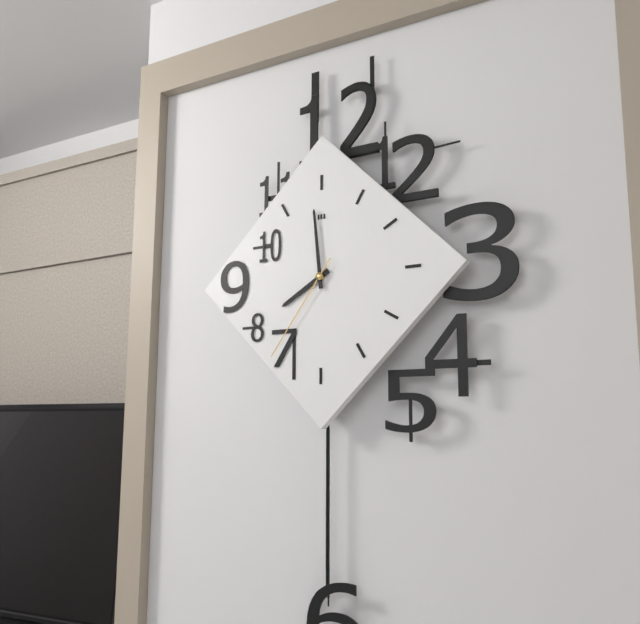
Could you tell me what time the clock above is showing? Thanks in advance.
7:59:36
